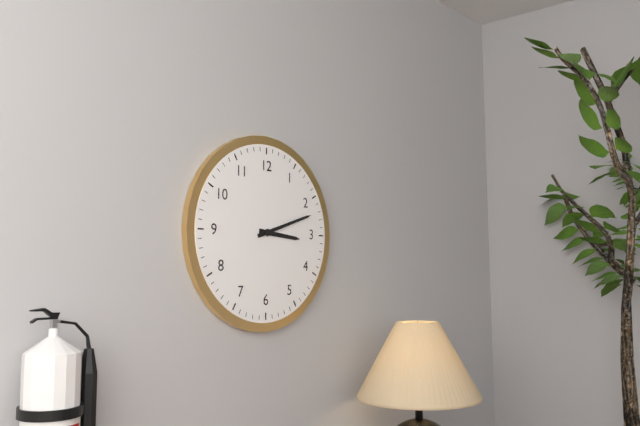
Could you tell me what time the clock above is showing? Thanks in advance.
3:12
